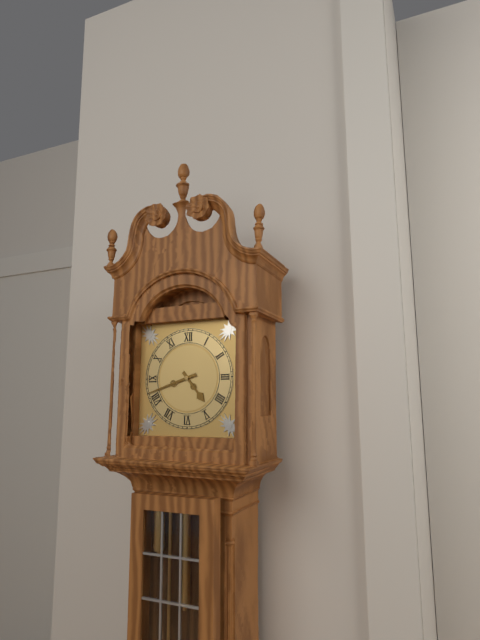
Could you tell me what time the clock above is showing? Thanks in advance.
4:42
